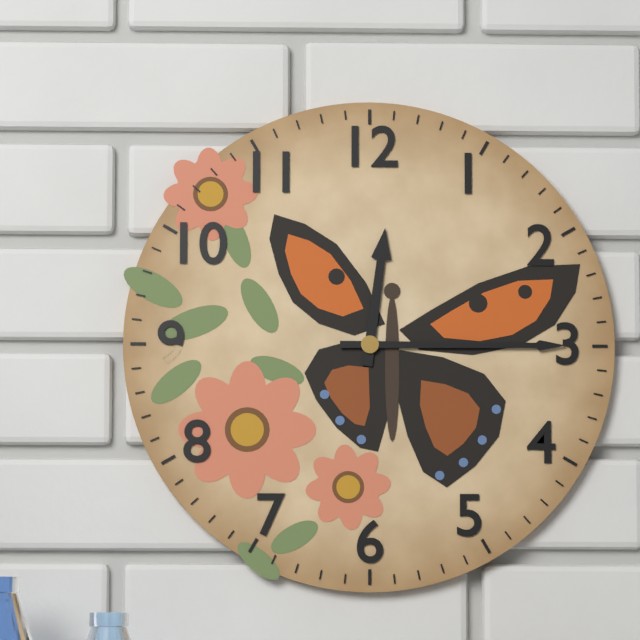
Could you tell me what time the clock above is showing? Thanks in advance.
12:15
